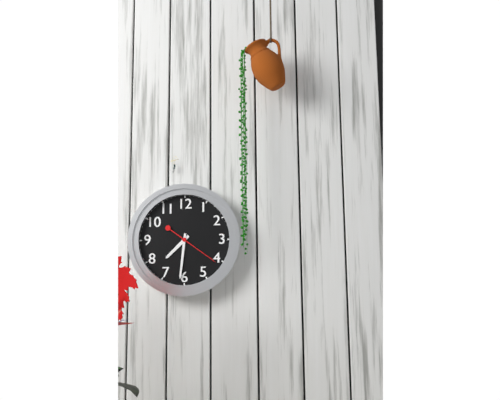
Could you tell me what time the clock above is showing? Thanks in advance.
7:31
